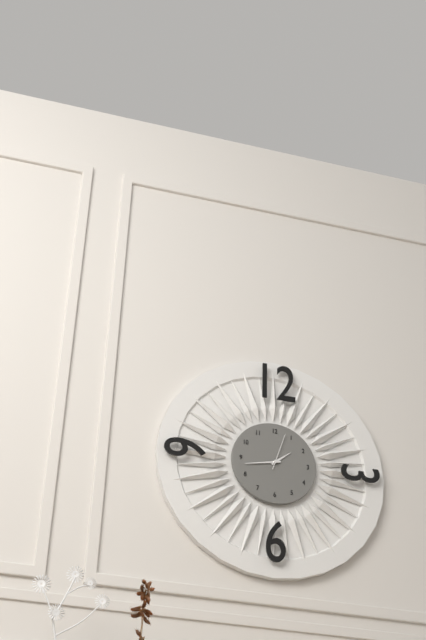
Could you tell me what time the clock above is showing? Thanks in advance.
1:43
